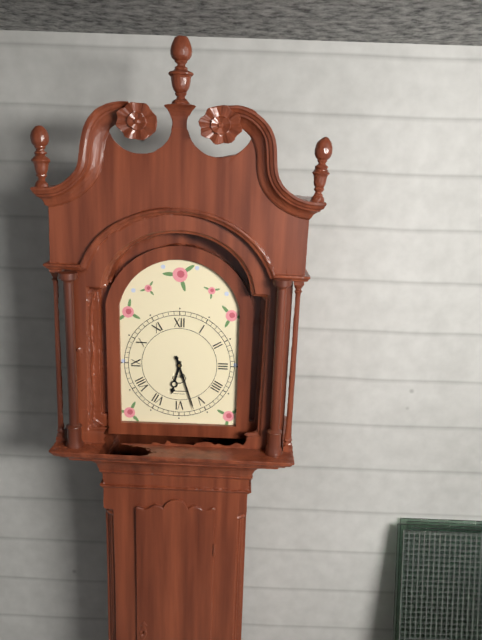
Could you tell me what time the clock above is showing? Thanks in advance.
6:27
